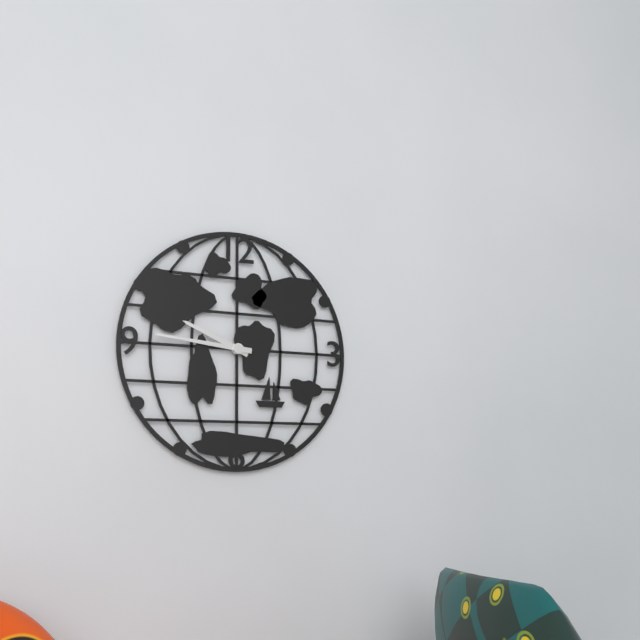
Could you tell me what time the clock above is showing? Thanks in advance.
9:46
